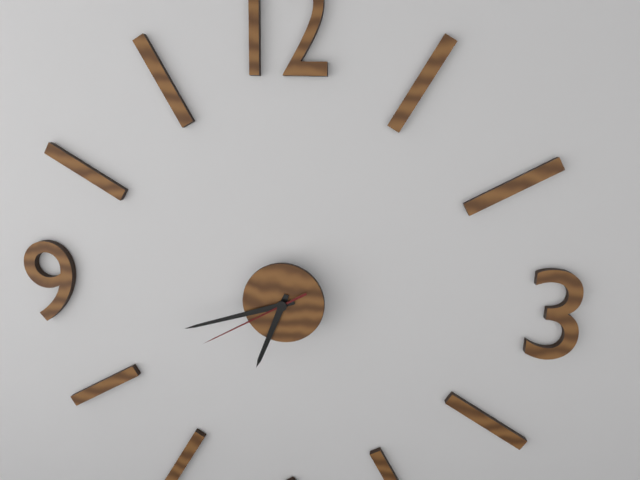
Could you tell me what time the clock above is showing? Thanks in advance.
6:42:40
